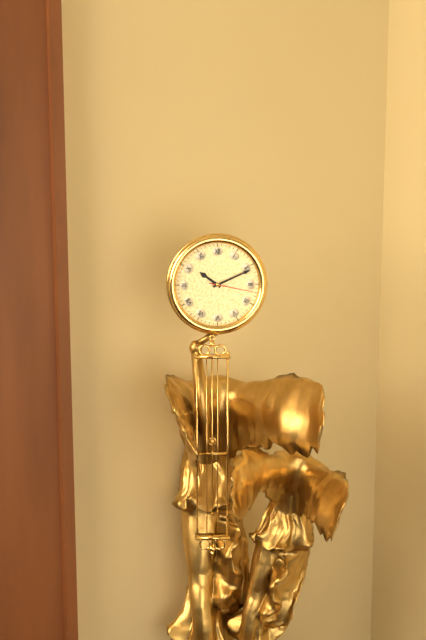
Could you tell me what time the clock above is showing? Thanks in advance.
10:11
